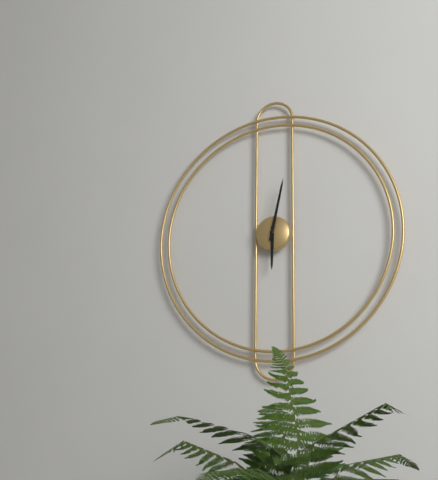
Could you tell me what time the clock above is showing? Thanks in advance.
6:02
